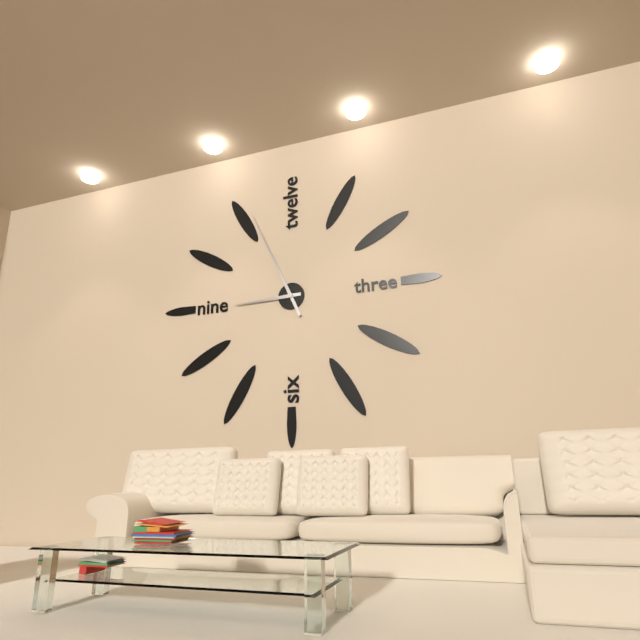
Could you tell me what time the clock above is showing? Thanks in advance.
8:56
